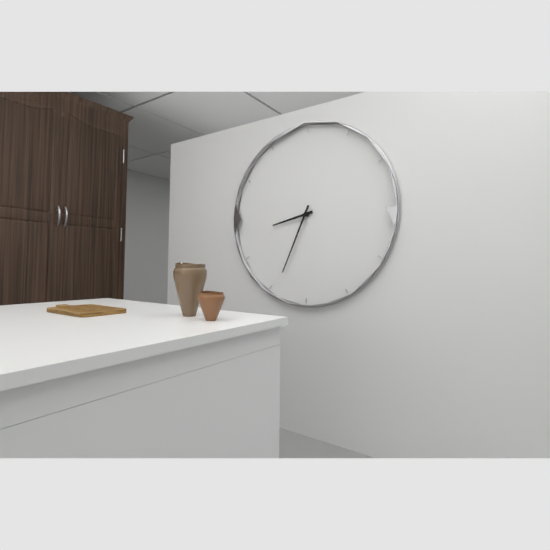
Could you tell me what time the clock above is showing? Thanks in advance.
8:34
